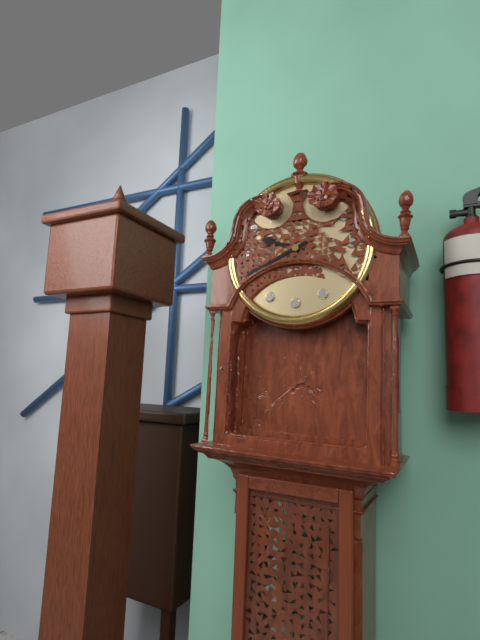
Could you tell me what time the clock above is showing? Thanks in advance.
9:41
